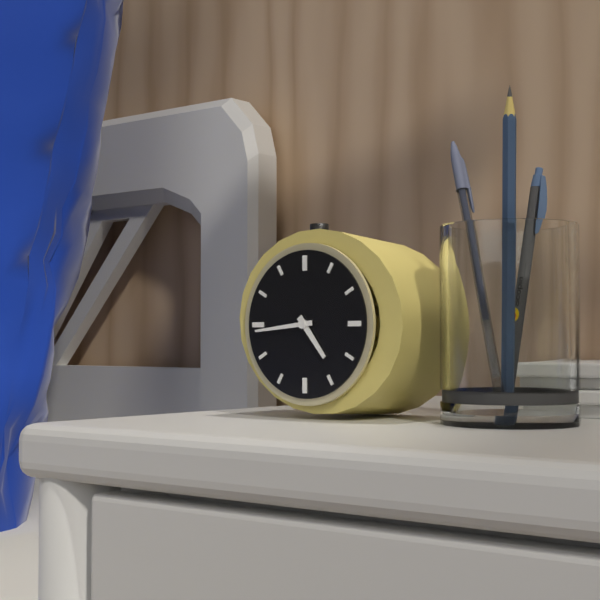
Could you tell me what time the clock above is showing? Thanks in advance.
4:44
